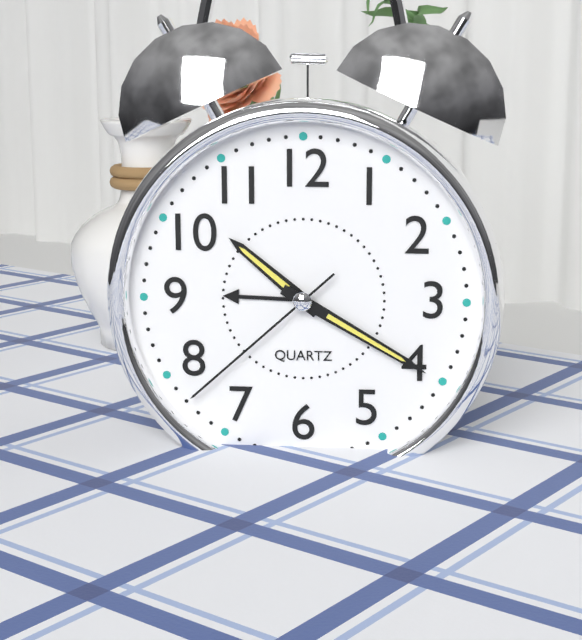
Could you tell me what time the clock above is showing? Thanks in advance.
10:20:38
